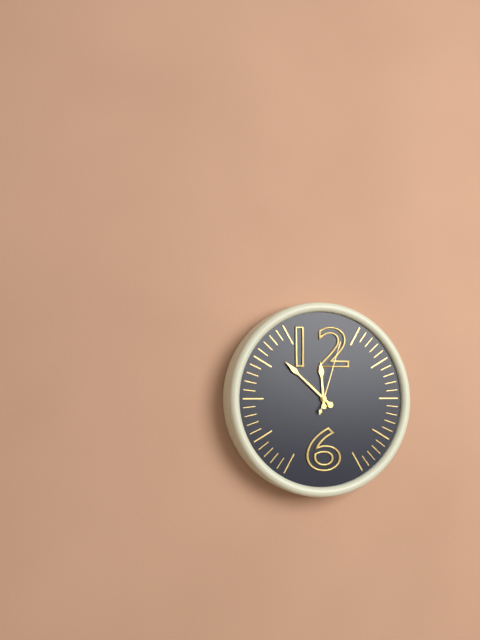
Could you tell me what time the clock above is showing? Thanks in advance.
11:52:03
